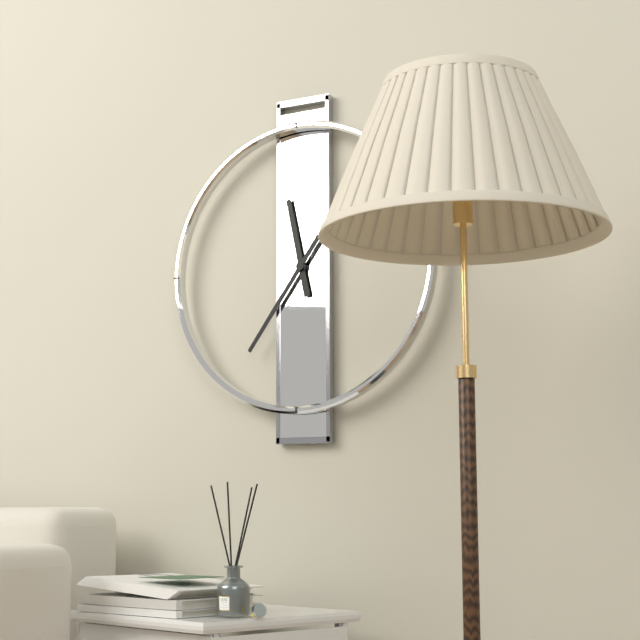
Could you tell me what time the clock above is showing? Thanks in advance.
11:36
